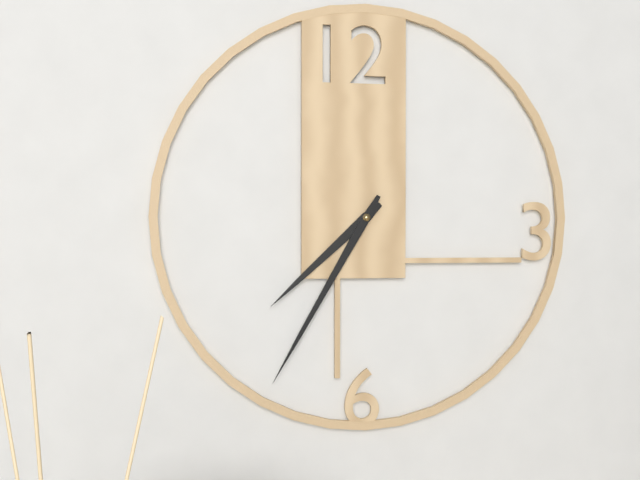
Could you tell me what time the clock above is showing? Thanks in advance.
7:35
